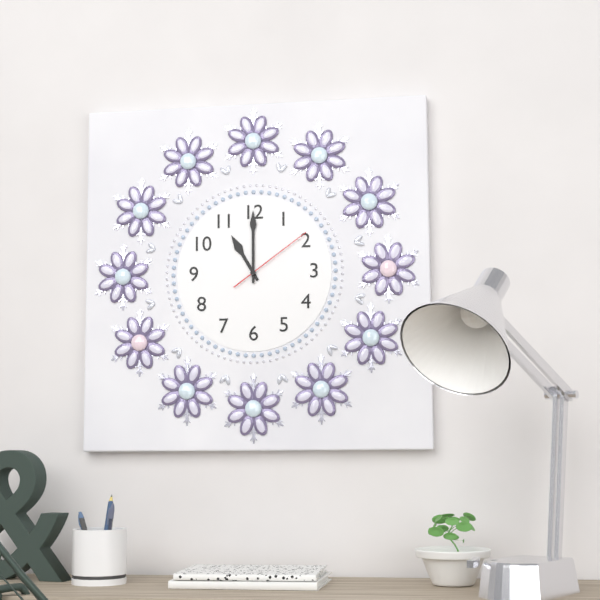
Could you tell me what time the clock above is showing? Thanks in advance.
11:00:09
